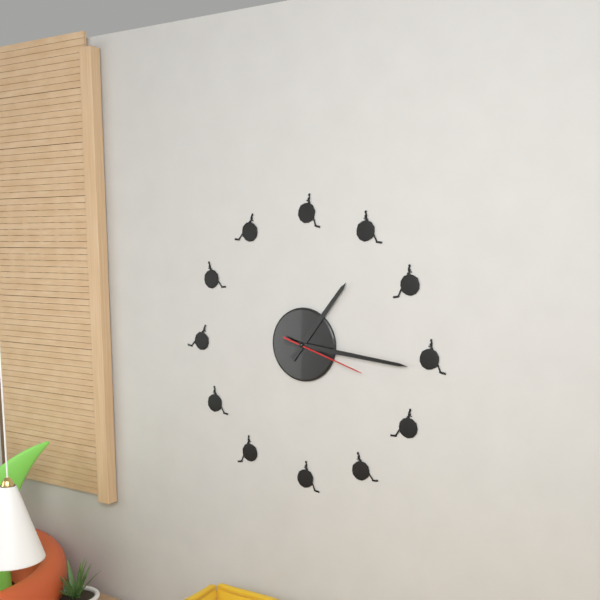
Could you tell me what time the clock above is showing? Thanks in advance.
1:16:18
